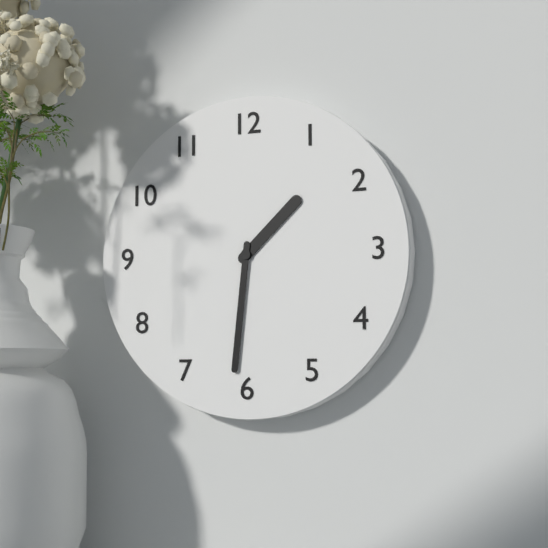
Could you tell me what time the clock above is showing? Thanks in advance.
1:31
